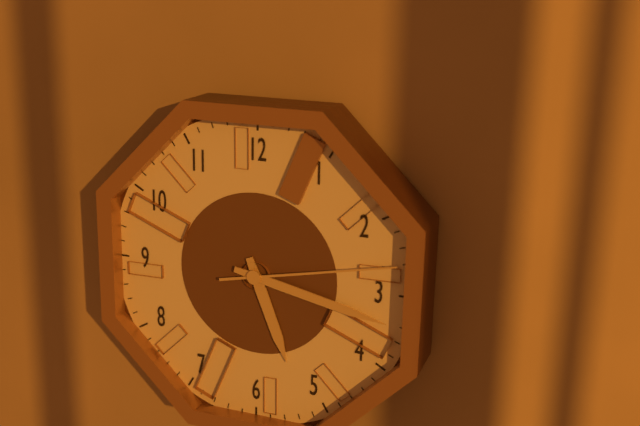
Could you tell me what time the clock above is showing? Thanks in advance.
5:17:13
